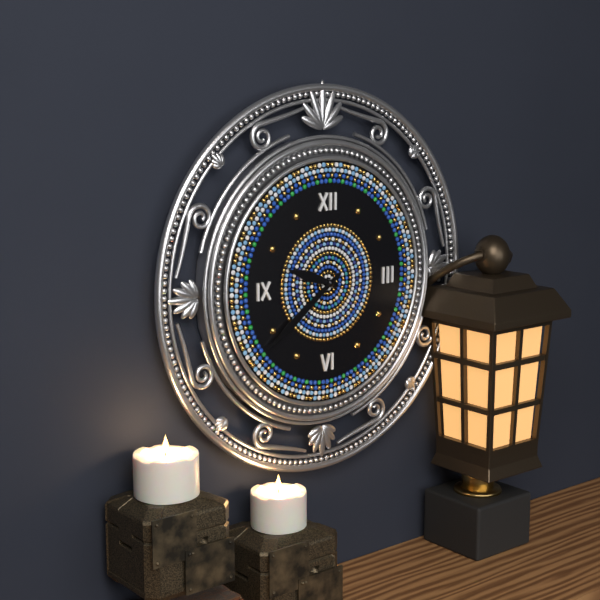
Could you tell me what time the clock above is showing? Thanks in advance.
9:39
